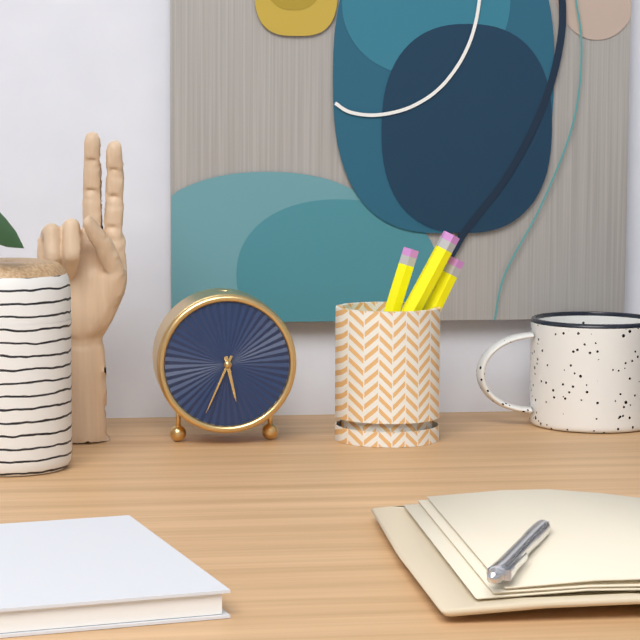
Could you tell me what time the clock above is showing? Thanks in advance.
5:34
